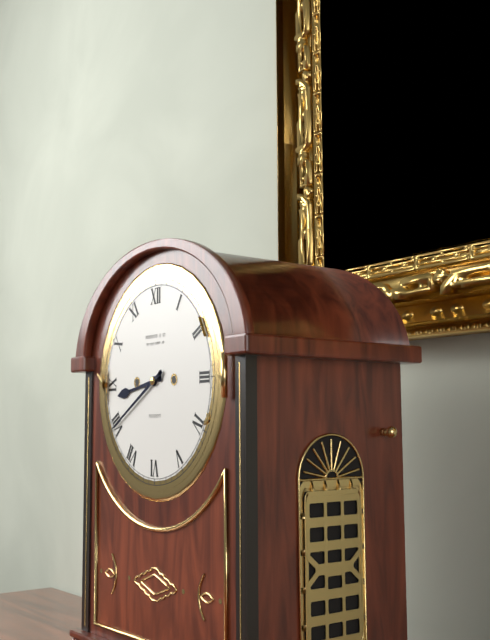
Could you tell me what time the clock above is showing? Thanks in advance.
8:40
